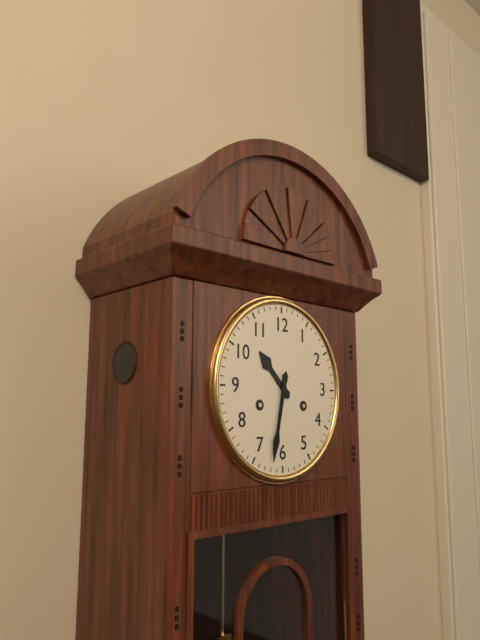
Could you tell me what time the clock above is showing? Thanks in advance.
10:32
